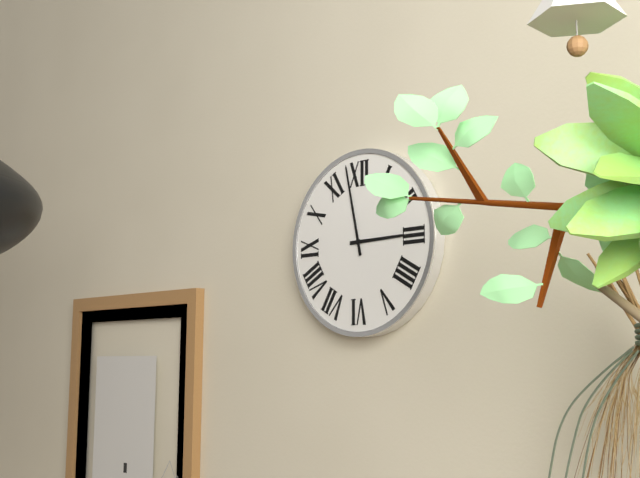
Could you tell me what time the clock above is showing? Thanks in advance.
2:58
